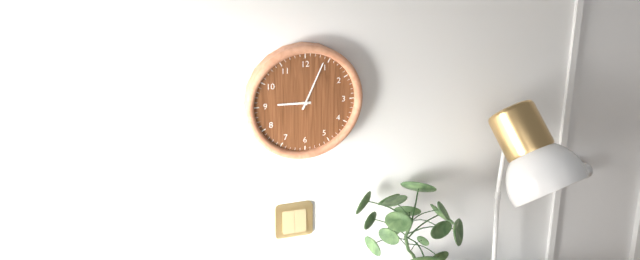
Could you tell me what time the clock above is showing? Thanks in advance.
9:04
